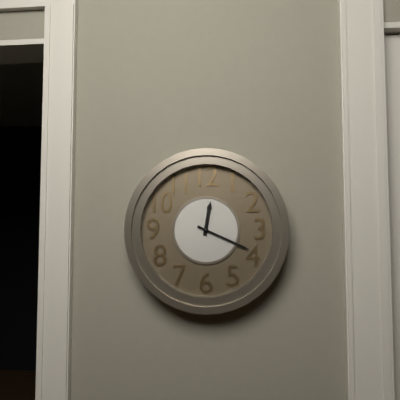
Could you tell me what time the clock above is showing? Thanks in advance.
12:19
